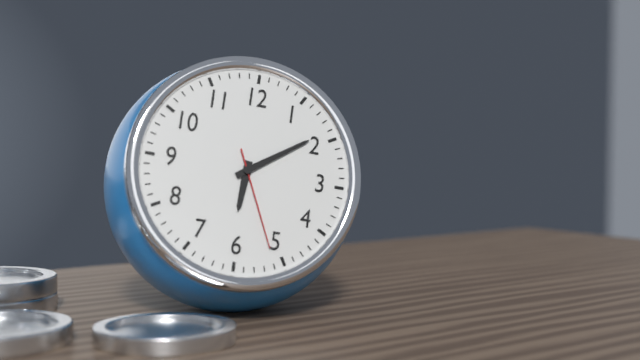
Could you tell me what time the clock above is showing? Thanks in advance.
6:09:26
